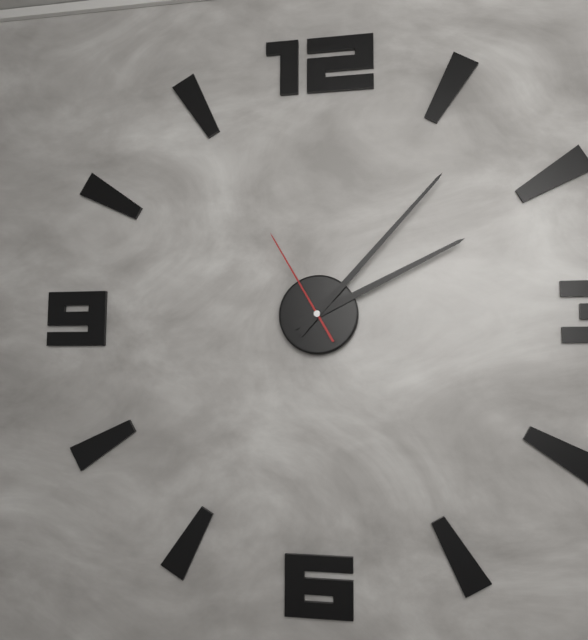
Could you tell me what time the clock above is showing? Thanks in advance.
2:07:55
